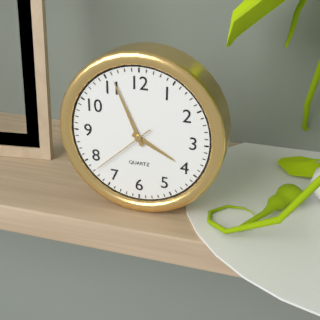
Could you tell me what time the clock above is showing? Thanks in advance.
3:56:38
